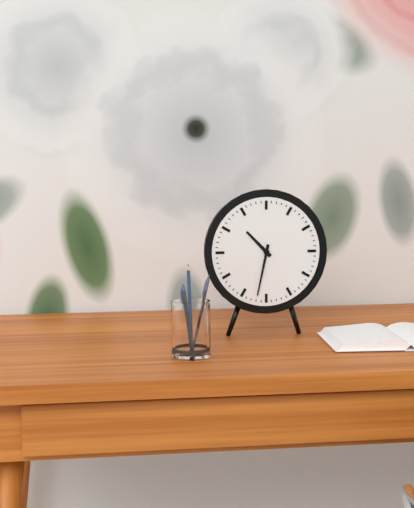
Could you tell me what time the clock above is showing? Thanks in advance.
10:32
